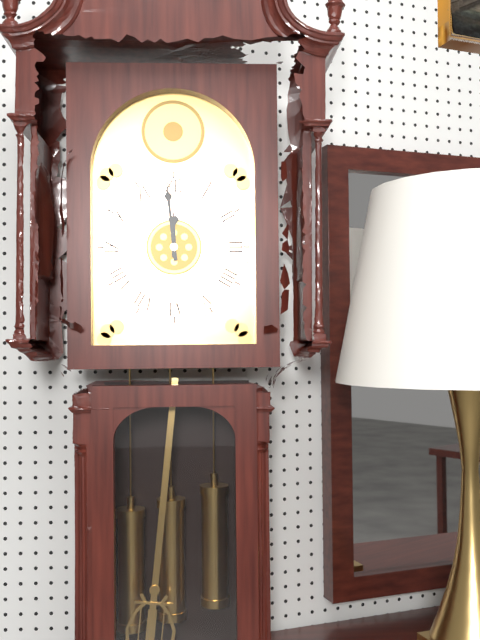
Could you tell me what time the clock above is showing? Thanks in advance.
11:59
